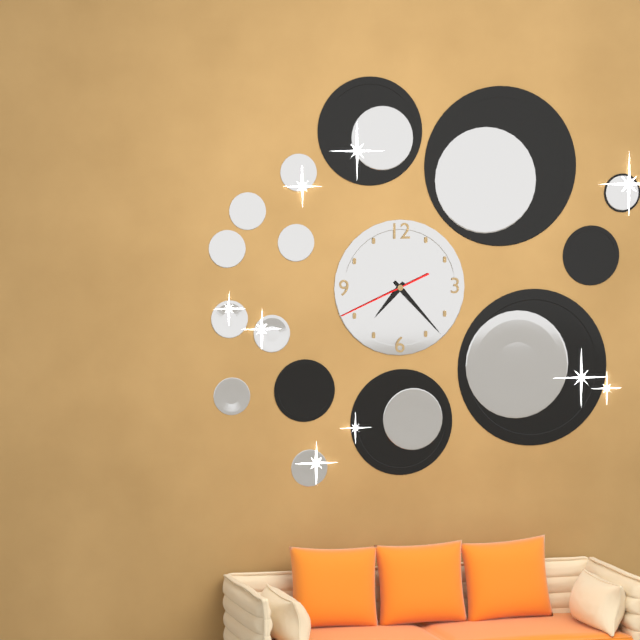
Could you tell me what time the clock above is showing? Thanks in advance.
7:23:41
